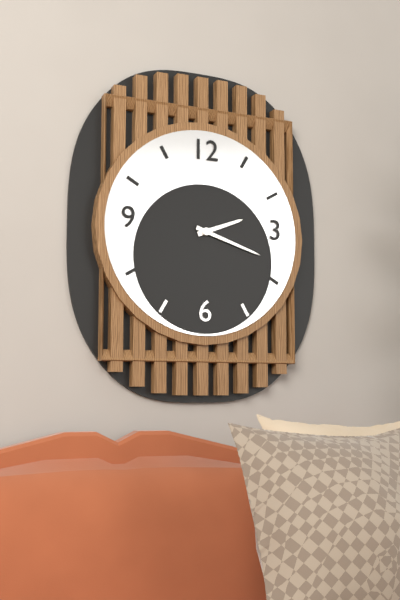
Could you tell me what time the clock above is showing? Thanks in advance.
2:18
